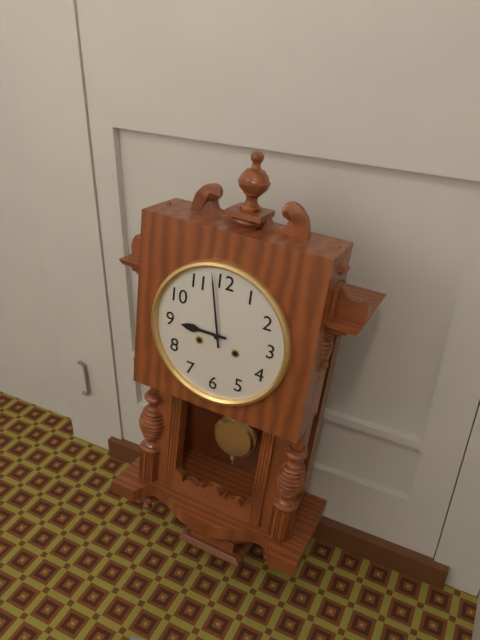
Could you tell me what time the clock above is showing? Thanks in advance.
8:58
